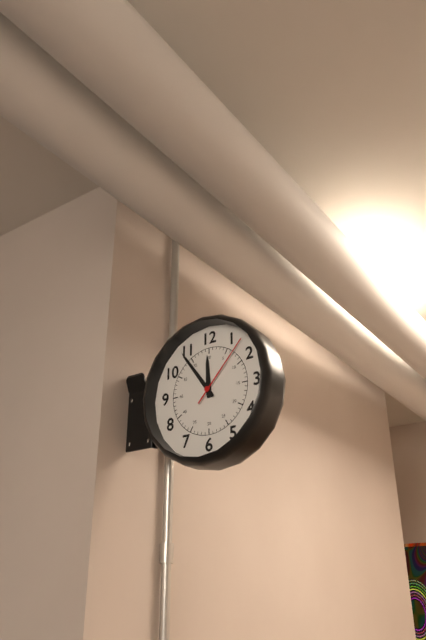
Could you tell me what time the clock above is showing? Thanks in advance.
11:54:07
